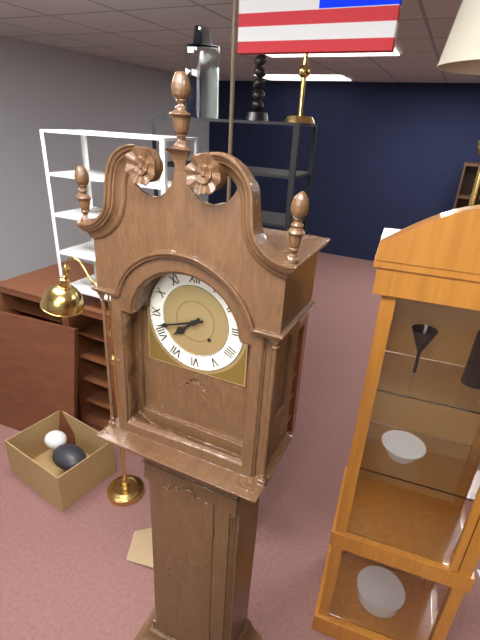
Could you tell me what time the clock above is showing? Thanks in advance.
7:42
